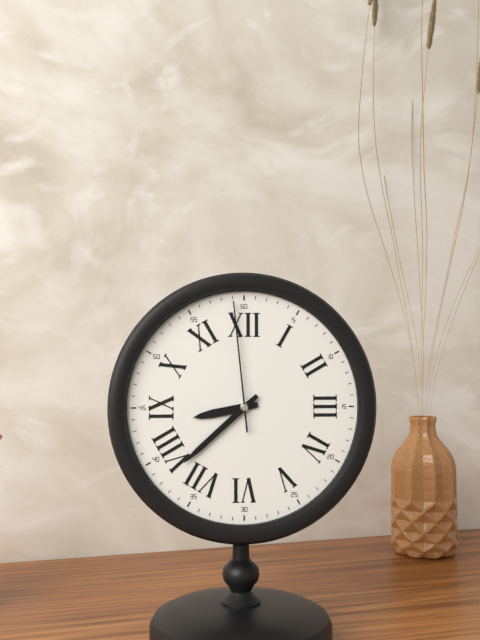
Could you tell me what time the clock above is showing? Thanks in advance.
8:38:59
